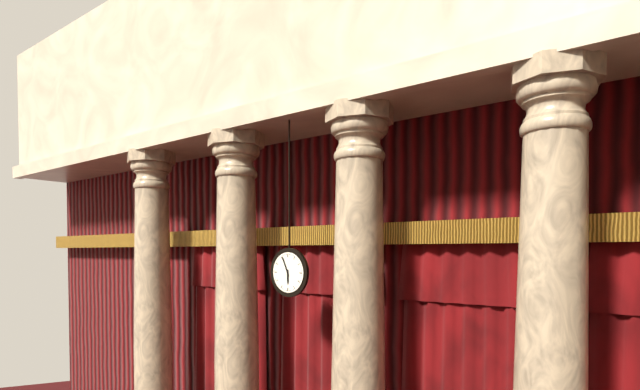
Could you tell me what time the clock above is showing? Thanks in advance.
5:56
